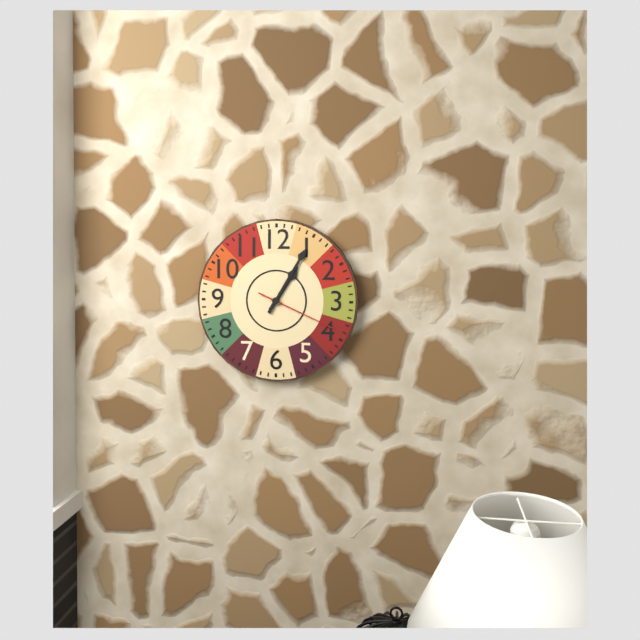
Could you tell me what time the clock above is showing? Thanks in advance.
1:05:19
